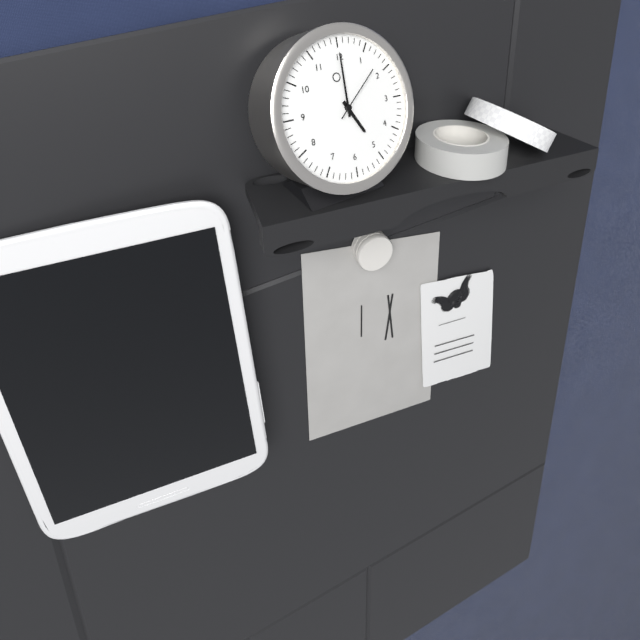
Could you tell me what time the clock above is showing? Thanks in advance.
5:00:08
